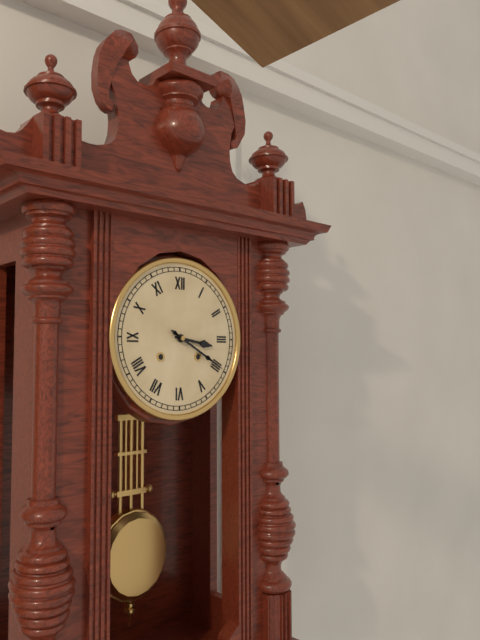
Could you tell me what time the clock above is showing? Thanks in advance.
3:20
